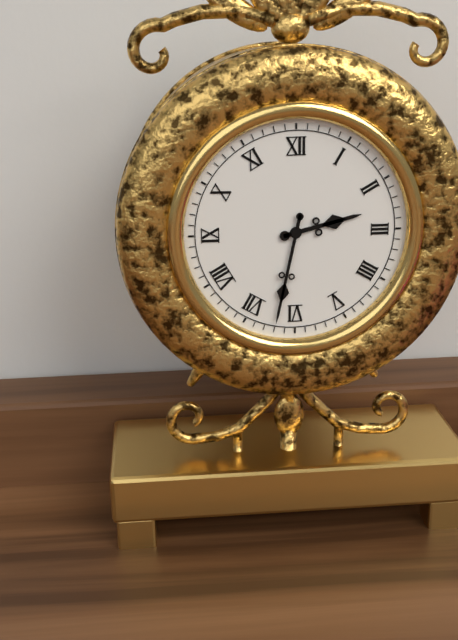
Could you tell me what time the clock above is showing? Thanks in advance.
2:32
